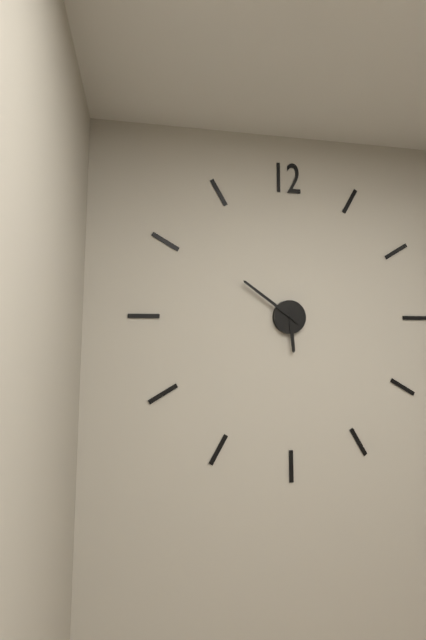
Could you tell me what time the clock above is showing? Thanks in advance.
5:51
